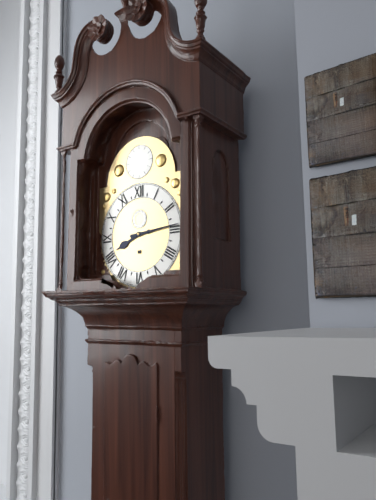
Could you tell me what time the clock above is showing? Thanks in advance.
8:14
